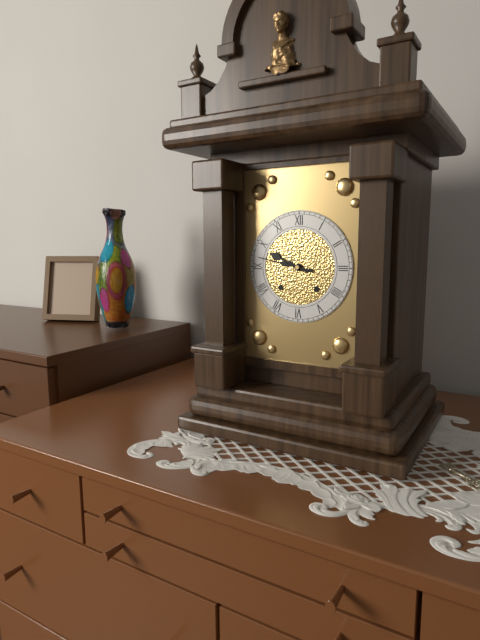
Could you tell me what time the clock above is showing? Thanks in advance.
9:47
